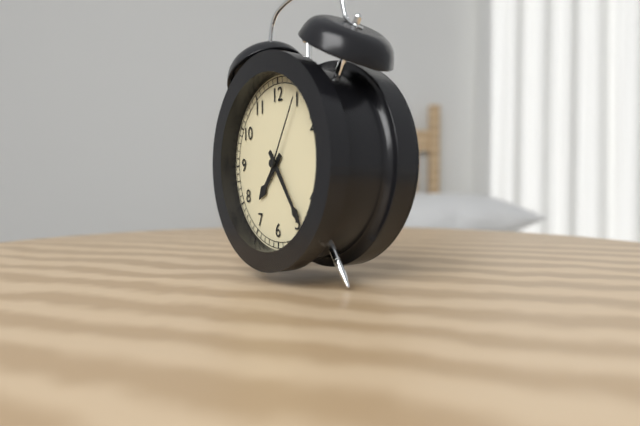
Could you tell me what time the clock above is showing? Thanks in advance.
7:24:05
